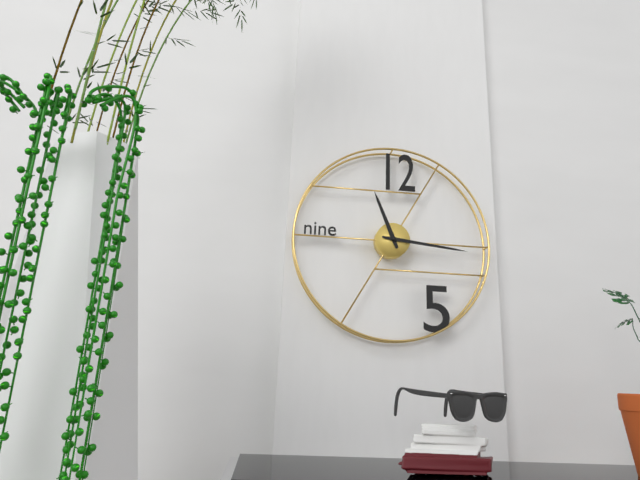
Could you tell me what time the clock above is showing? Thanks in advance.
11:16
